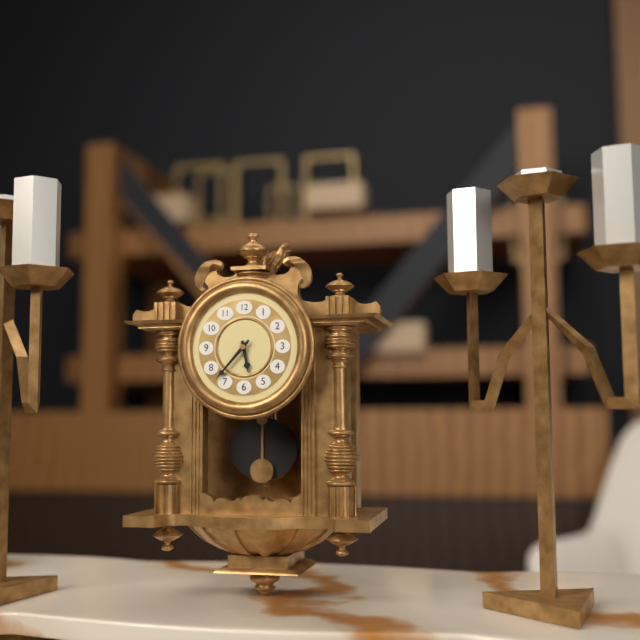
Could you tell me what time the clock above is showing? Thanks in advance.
5:37
